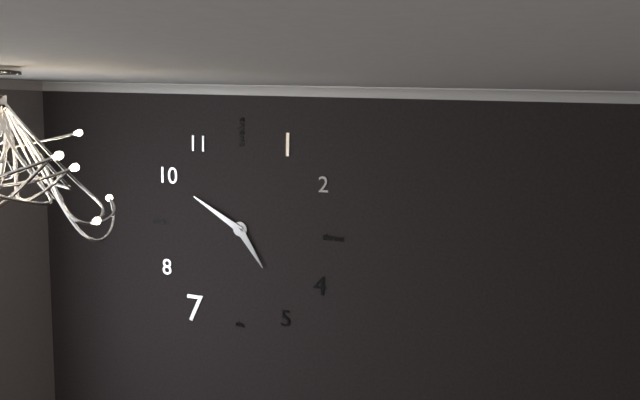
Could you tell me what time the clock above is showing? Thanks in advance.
4:50
